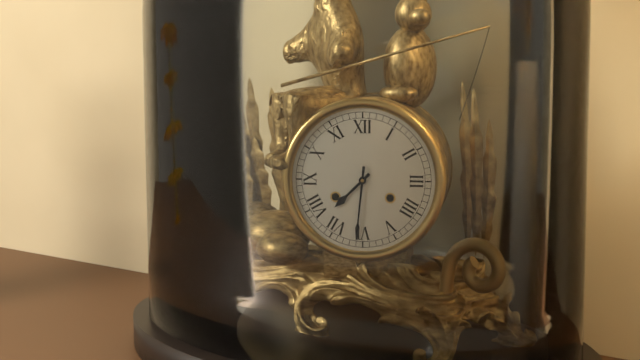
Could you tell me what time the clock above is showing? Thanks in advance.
7:31
